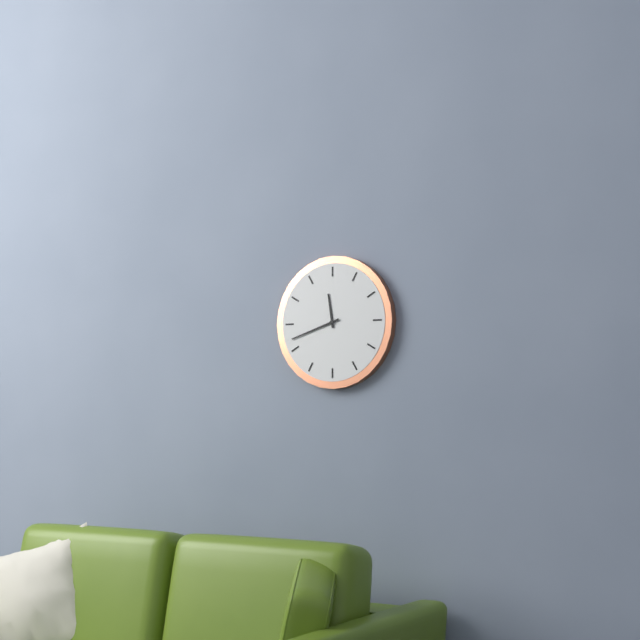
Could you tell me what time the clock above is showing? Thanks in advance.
11:42
